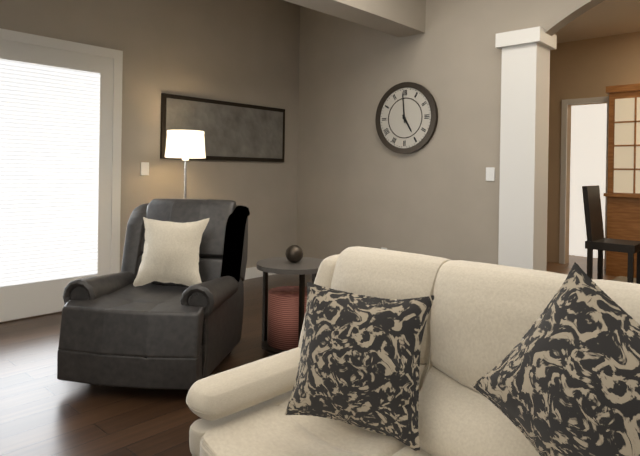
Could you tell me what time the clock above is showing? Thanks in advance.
4:59
